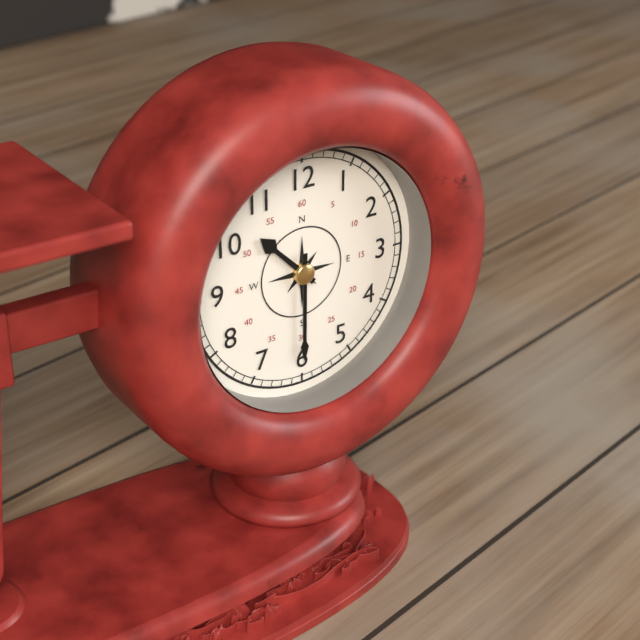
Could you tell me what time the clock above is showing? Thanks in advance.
10:30
